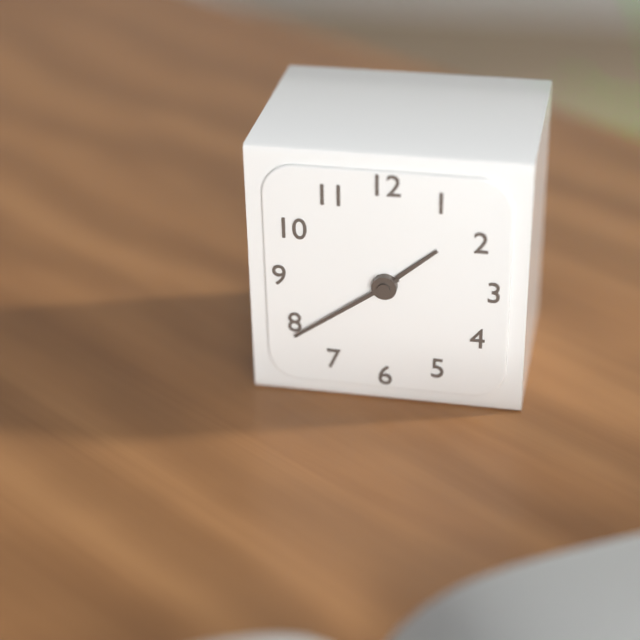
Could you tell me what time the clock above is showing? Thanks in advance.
1:39
